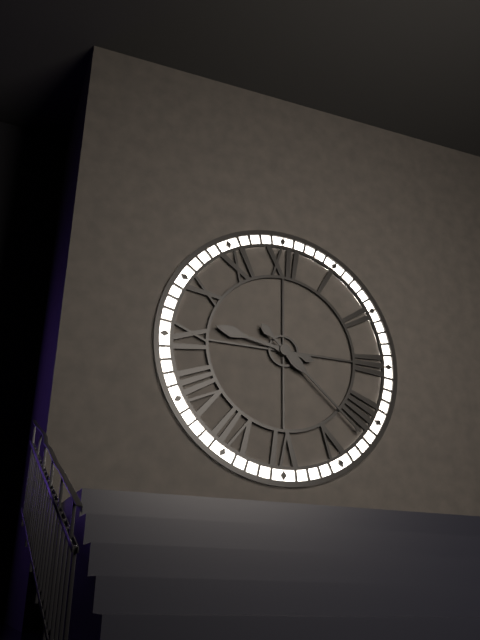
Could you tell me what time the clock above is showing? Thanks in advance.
9:22
